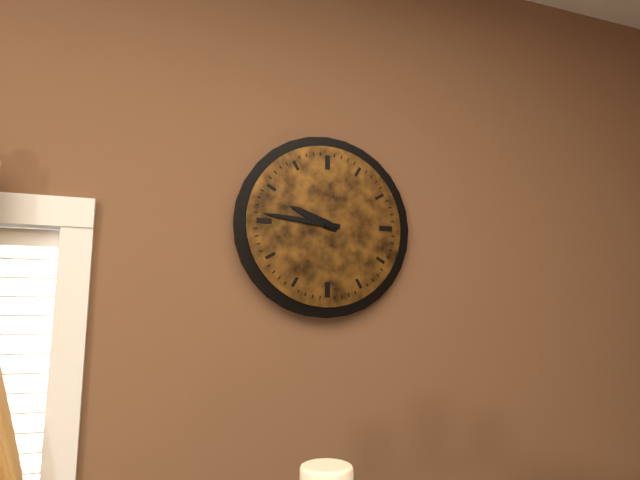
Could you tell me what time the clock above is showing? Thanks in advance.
9:46
